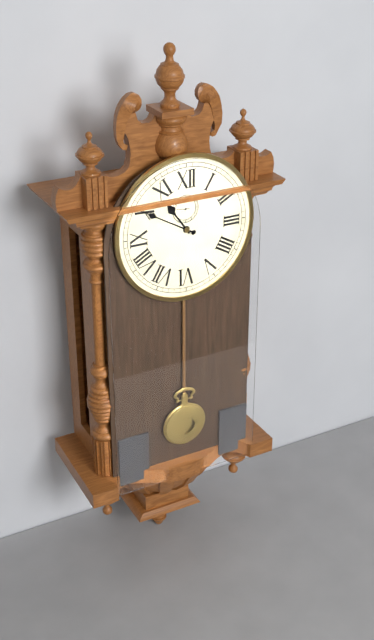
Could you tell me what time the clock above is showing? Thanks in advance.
10:50
